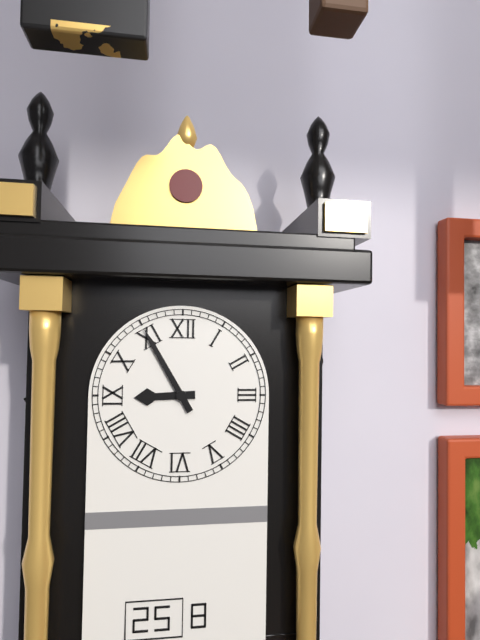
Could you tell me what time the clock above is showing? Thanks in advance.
8:55
